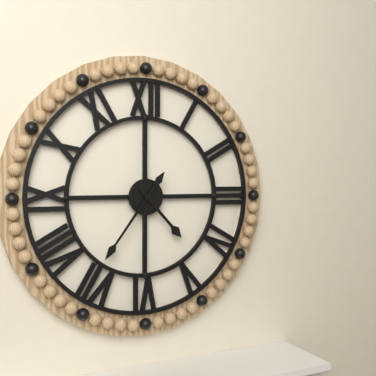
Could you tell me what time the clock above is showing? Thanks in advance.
4:36
